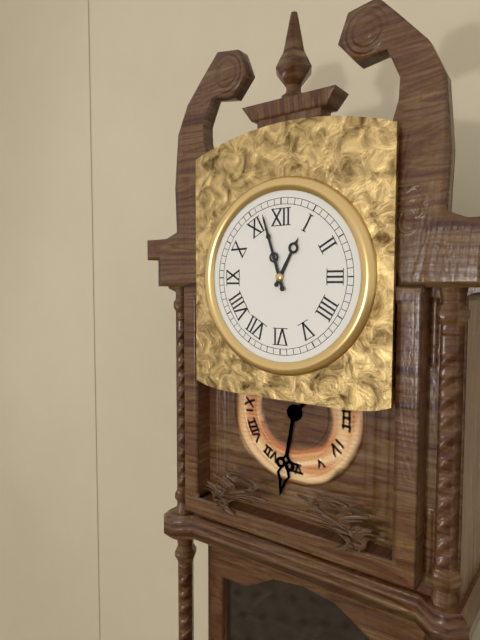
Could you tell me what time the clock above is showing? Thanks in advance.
12:57
